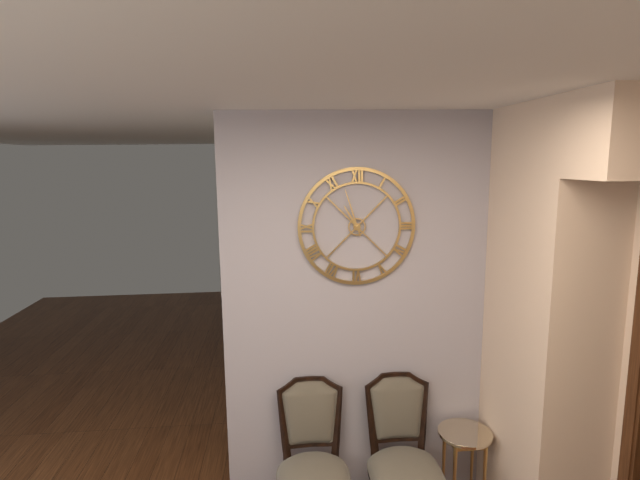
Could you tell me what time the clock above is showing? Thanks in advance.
10:57
